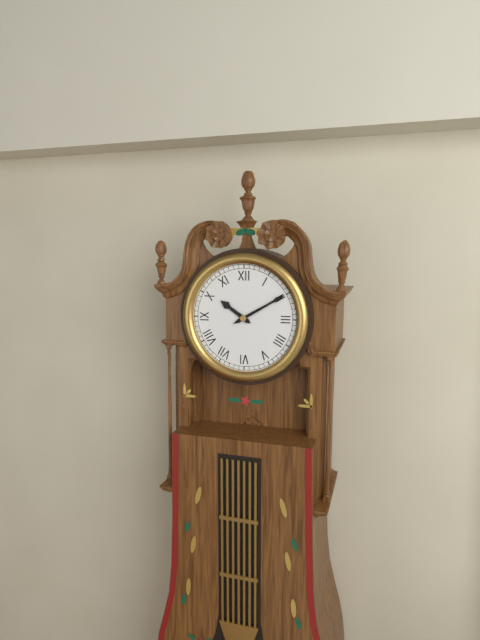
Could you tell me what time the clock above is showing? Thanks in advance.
10:10
